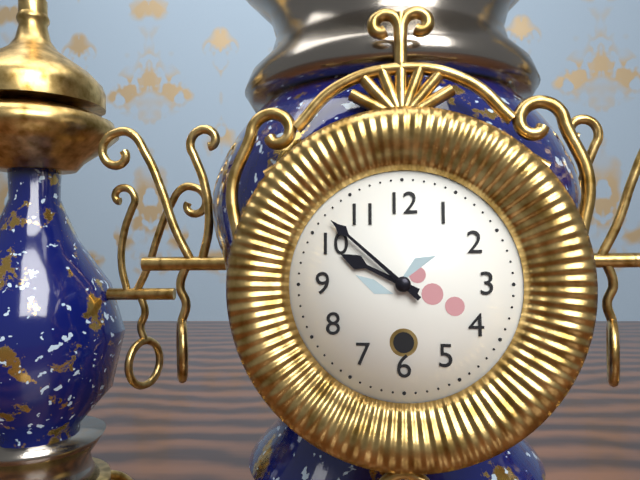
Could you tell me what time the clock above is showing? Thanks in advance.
9:52
